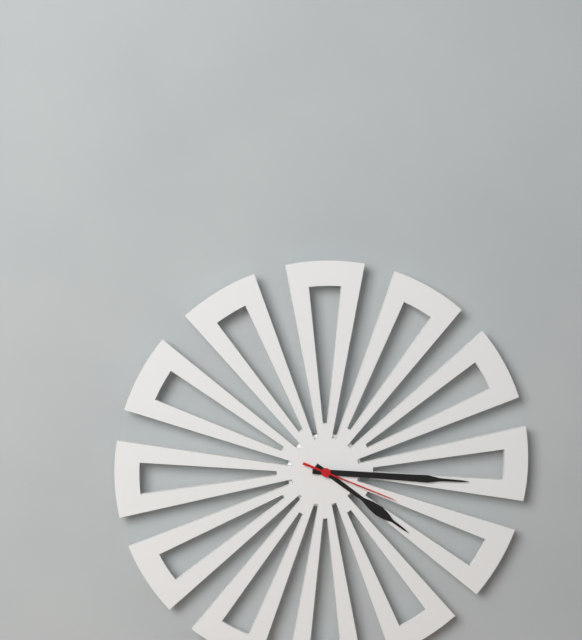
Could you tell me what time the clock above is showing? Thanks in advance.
4:16:19
